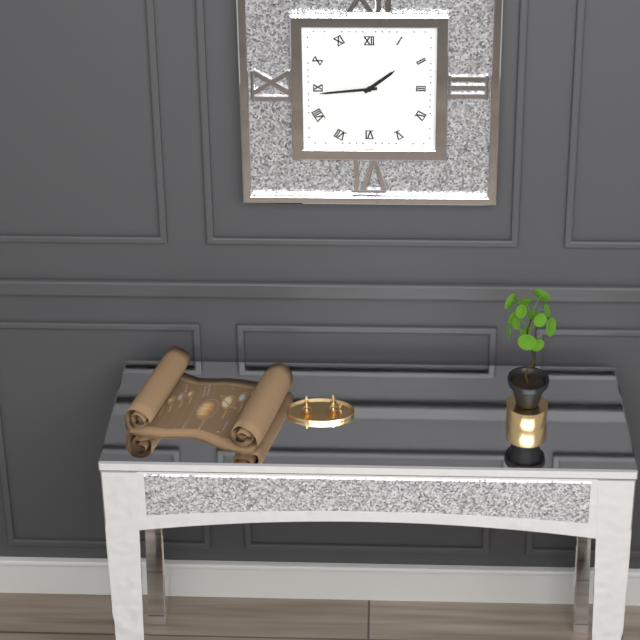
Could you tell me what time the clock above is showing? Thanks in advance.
1:44
